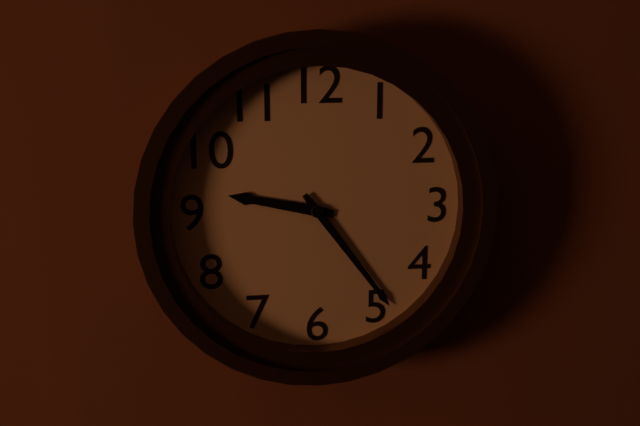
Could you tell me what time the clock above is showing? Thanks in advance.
9:24
